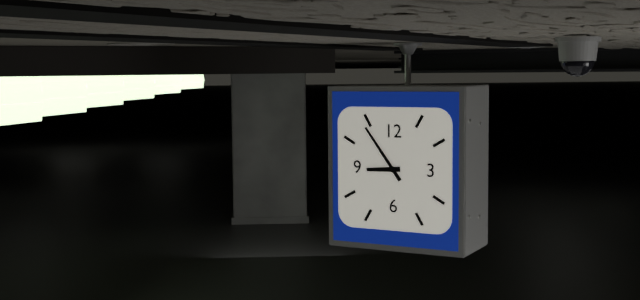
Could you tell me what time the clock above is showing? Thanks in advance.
8:54
